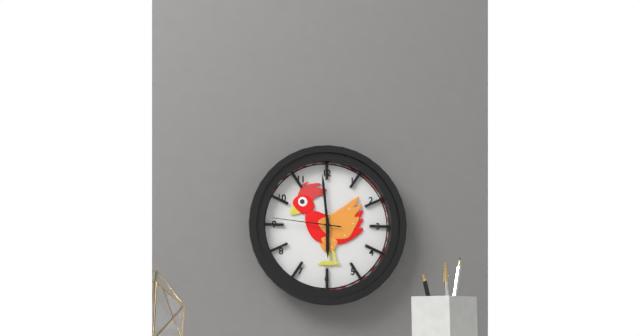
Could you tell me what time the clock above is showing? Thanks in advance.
5:59:46
